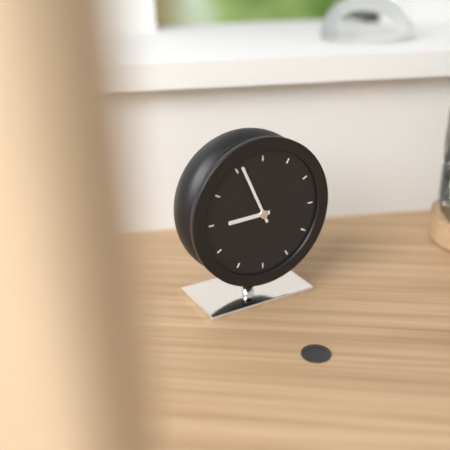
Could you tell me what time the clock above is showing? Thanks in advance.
8:56
